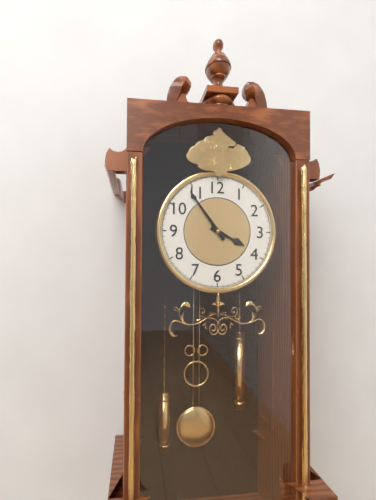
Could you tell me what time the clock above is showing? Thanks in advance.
3:54
